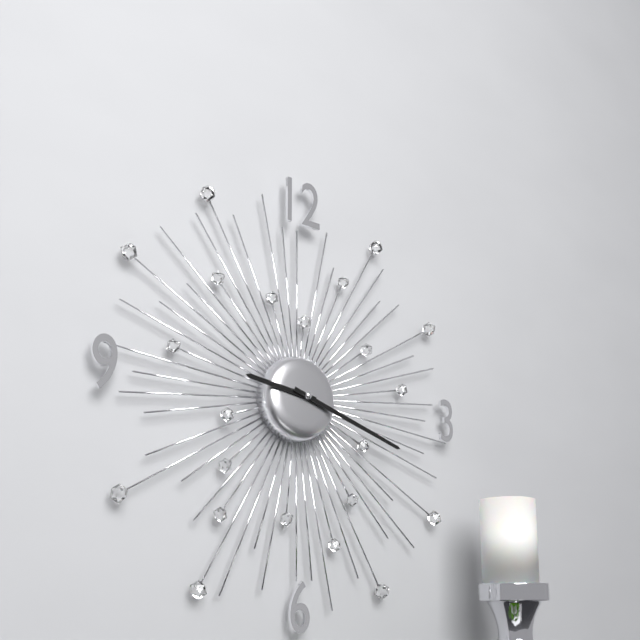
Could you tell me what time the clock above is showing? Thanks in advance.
9:18
